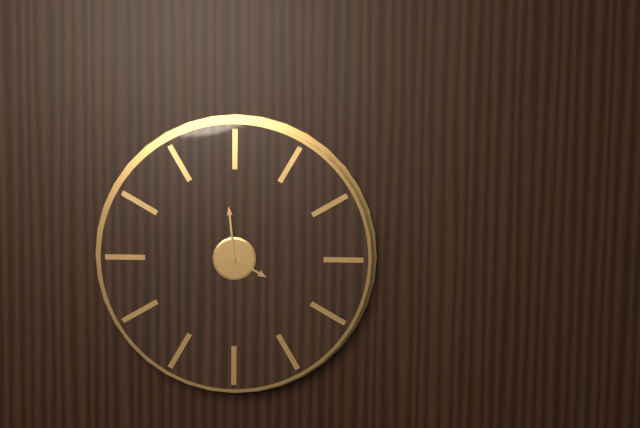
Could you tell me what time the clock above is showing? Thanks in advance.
3:59
